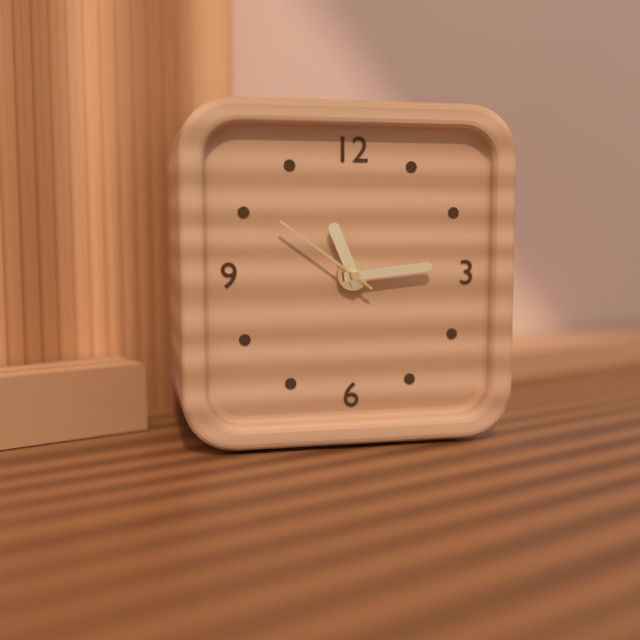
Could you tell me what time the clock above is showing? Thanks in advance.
11:14:51
